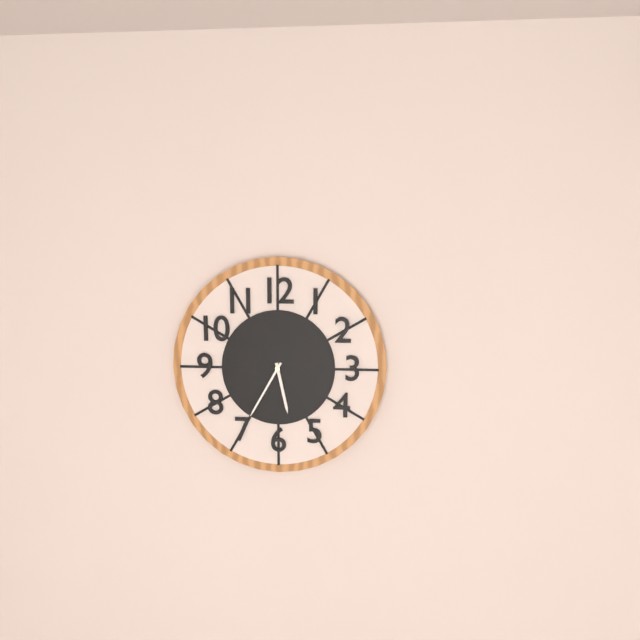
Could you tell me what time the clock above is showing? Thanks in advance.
5:35
